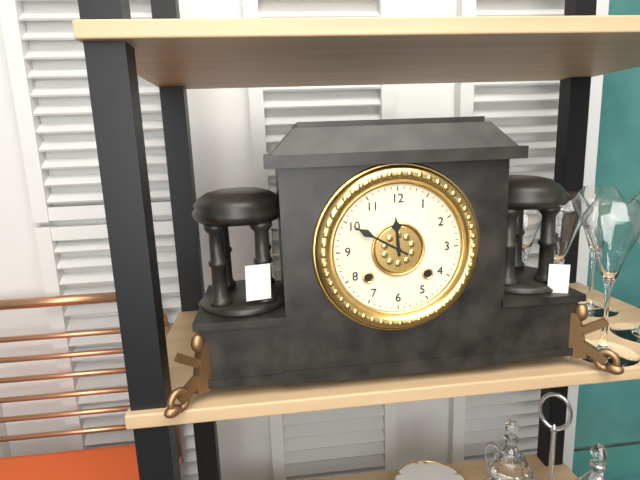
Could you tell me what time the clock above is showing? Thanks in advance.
11:50
